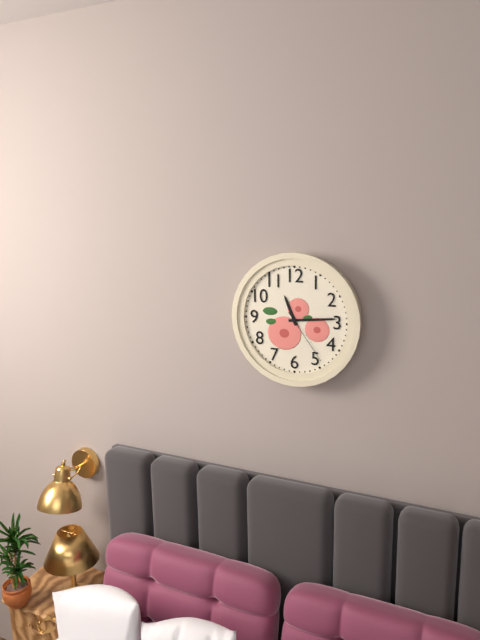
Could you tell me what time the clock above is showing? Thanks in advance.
11:14:24
